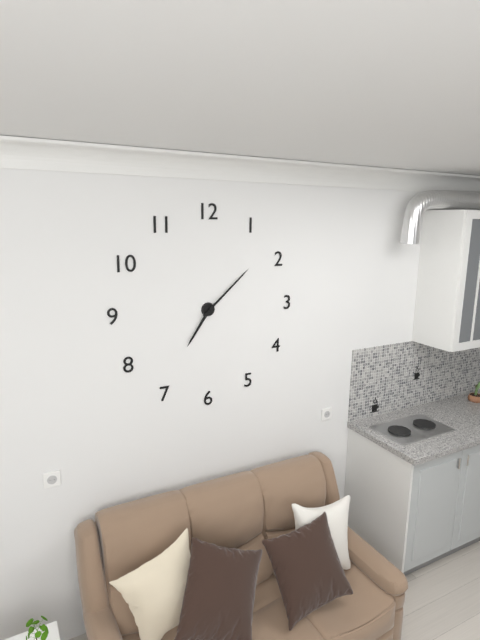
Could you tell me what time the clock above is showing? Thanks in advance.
7:08
